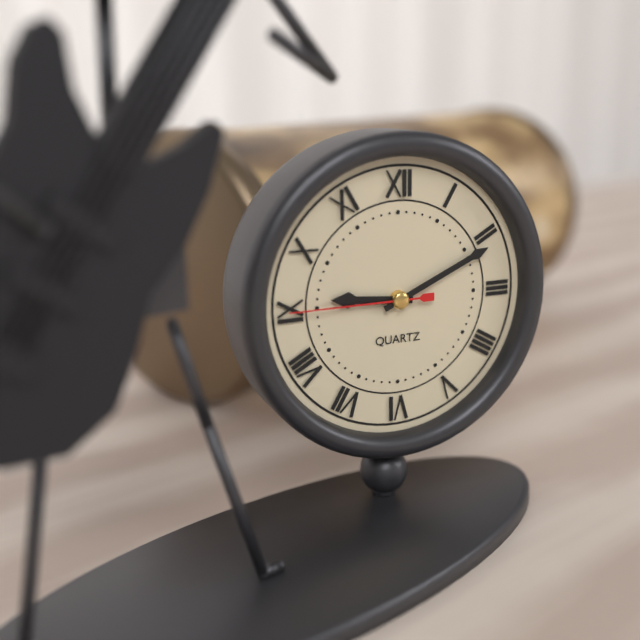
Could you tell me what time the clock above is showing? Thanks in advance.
9:11:45
